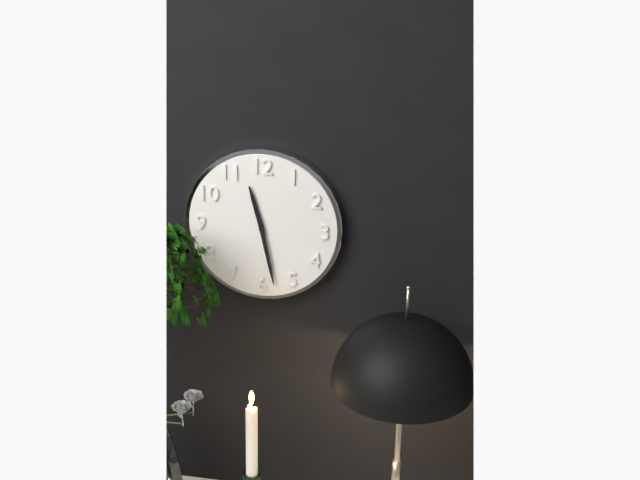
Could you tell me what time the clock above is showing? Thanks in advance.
11:28
